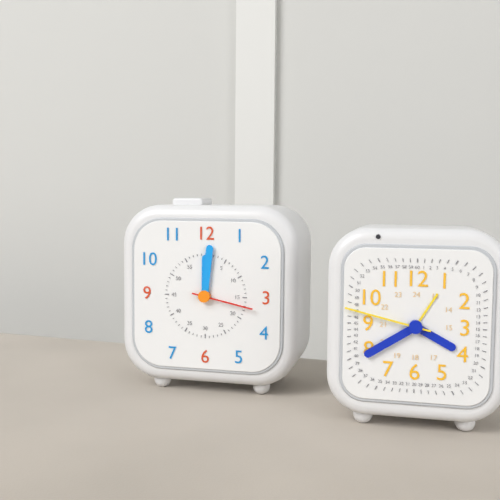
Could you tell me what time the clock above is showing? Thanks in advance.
12:01:17
